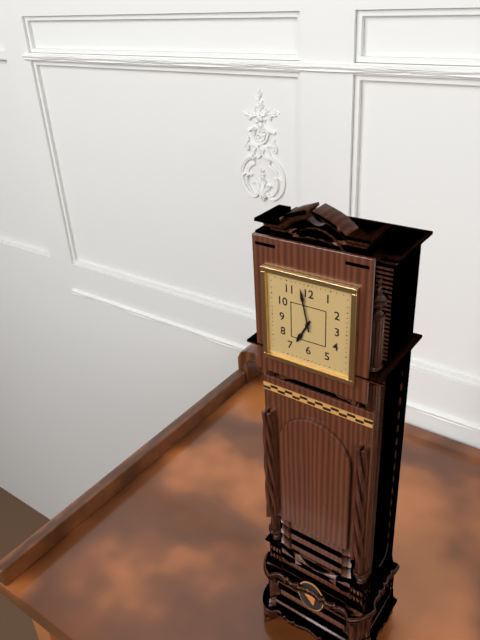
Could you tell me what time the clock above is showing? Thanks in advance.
6:58
